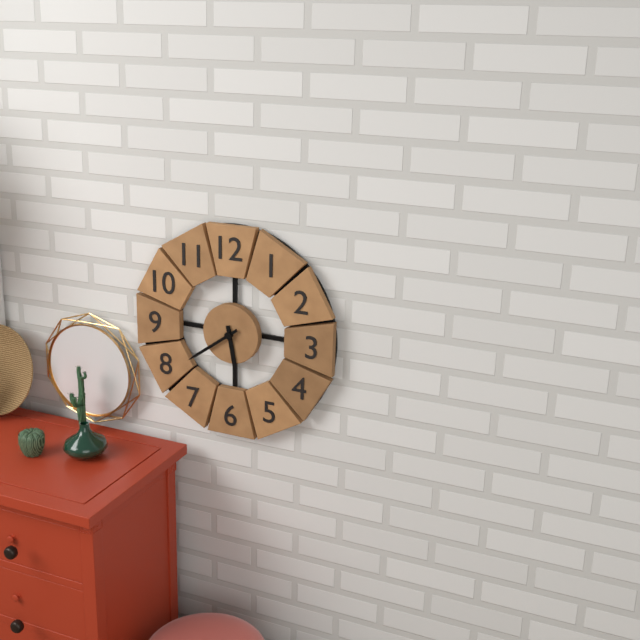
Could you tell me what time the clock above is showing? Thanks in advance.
5:39
